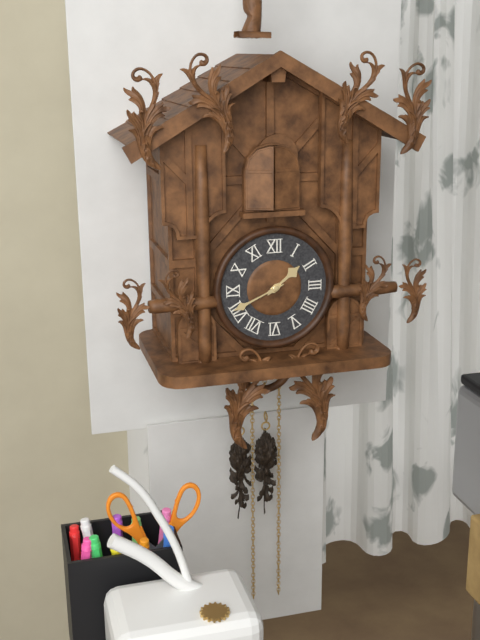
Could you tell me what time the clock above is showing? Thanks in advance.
1:41
